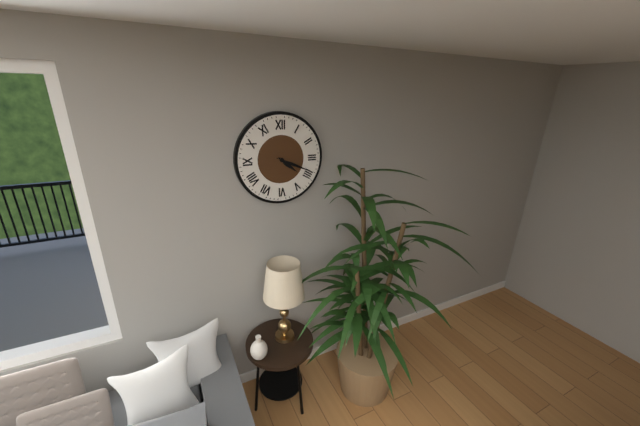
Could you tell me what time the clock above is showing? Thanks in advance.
4:19
